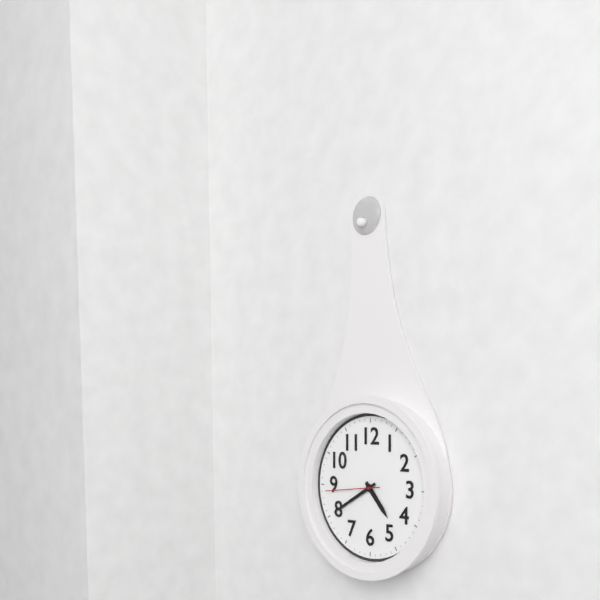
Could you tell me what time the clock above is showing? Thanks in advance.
4:40:44
